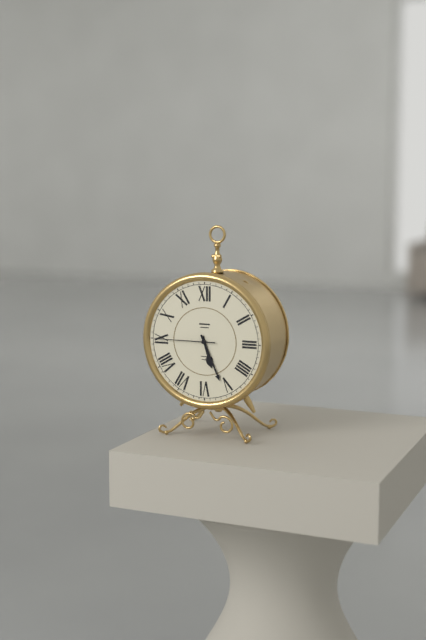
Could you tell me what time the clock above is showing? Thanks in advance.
5:26:45
